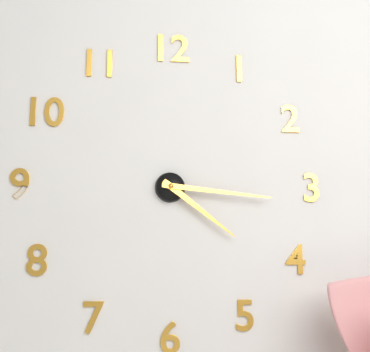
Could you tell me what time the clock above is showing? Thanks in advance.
4:16
